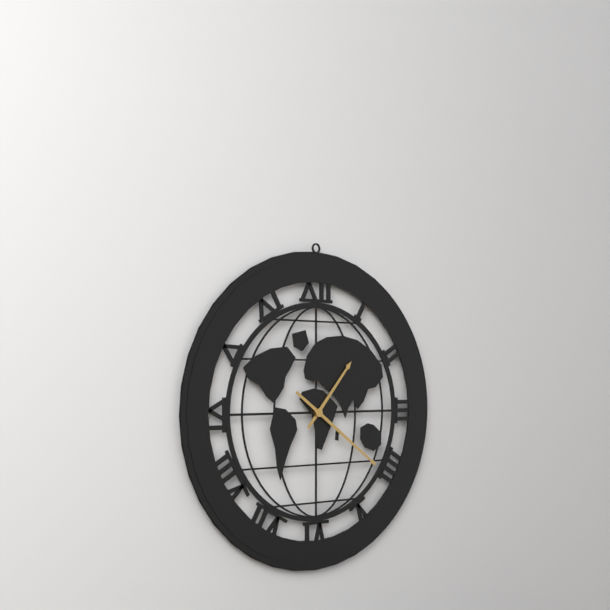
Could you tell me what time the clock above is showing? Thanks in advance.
1:21
